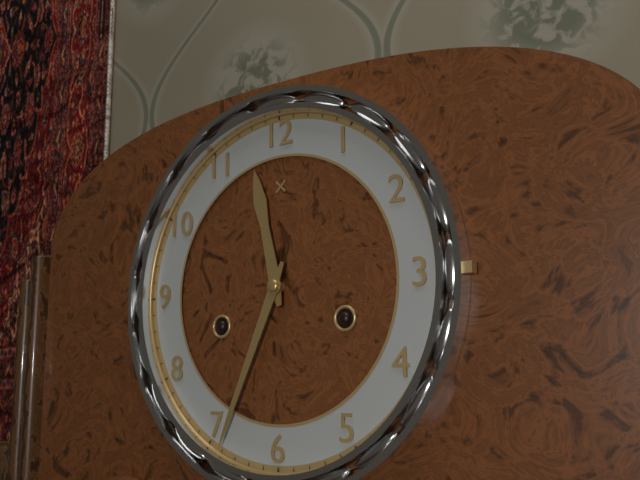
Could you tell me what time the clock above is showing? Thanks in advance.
11:34
